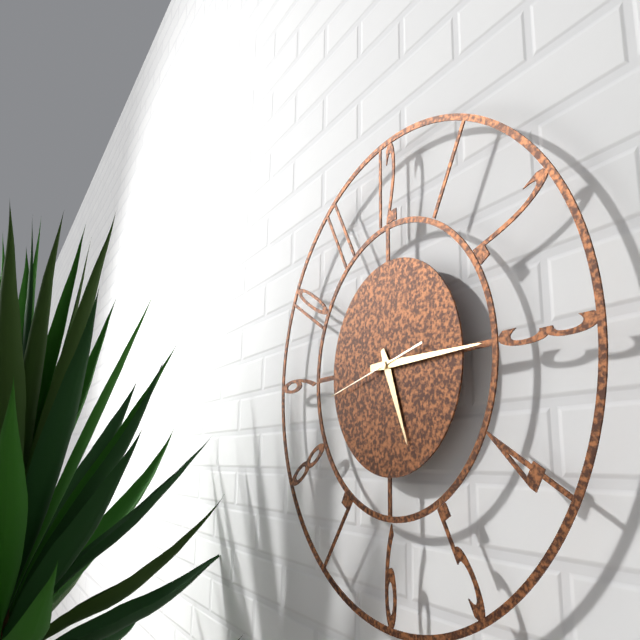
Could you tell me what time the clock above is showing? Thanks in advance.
5:15:43
